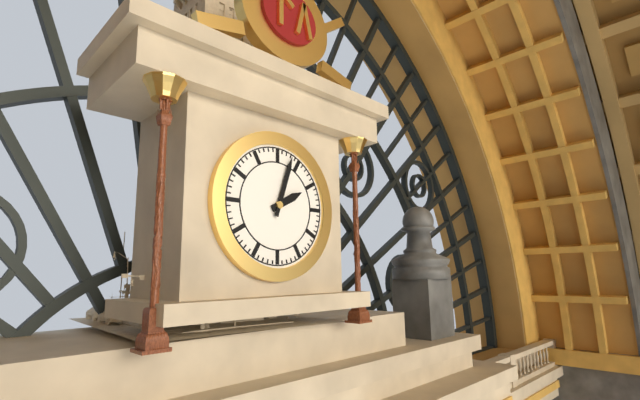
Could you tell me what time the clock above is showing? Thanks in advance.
2:03
